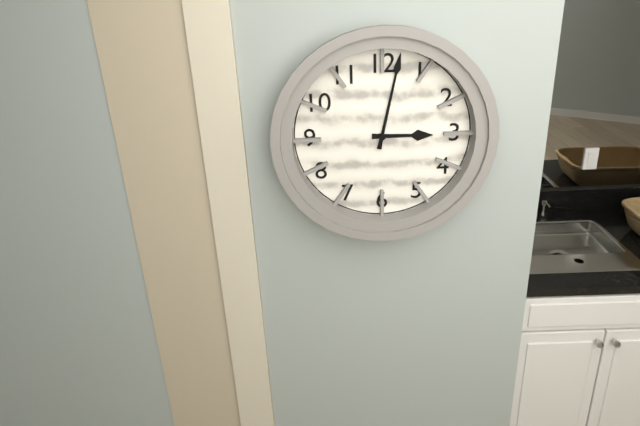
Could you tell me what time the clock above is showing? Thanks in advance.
3:02
